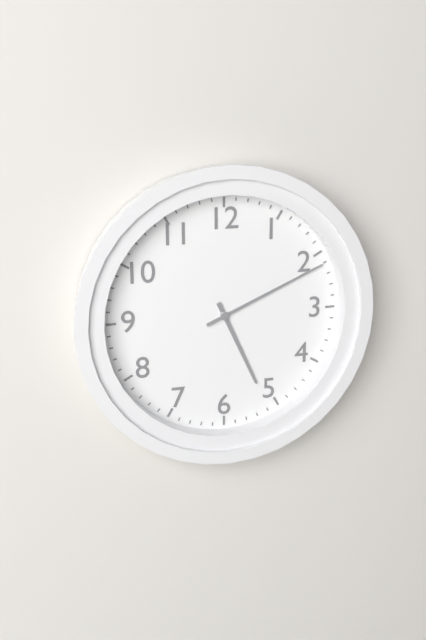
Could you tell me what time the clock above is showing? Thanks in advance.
5:11
